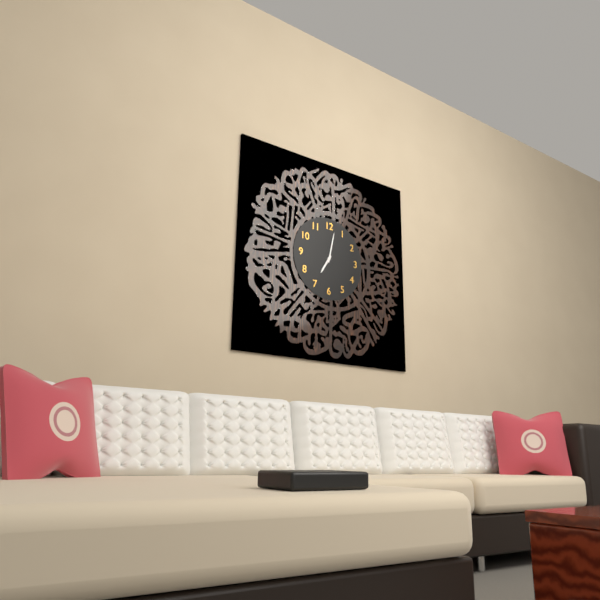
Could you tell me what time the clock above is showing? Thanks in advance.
7:02
